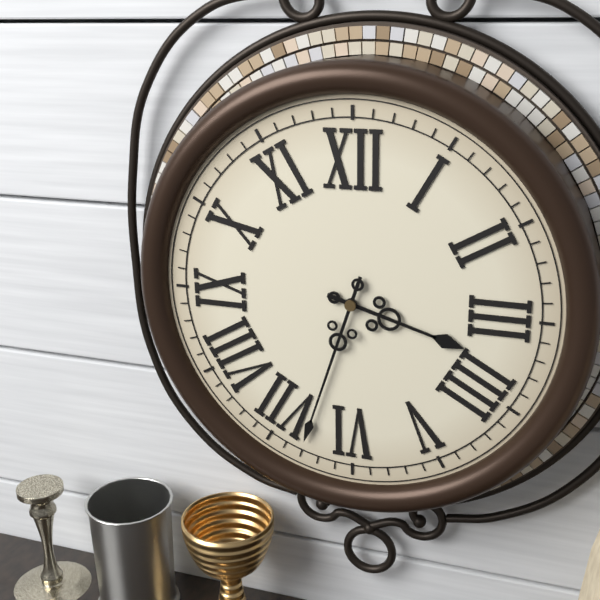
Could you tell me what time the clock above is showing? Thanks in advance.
3:33
